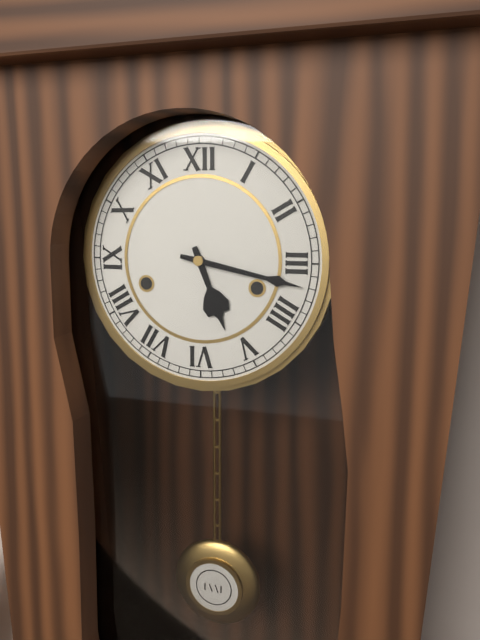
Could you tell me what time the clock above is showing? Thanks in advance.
5:17
